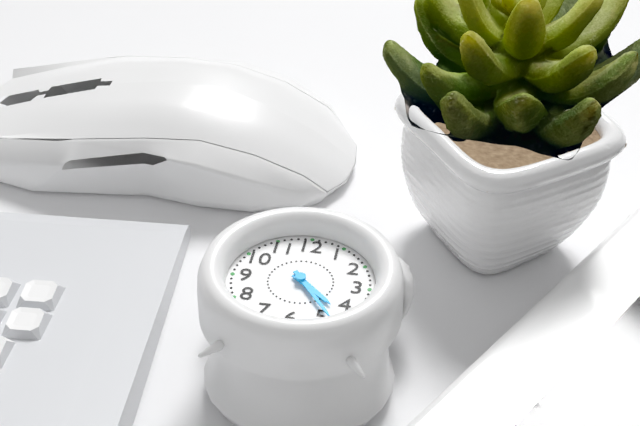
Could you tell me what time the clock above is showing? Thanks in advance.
4:24
